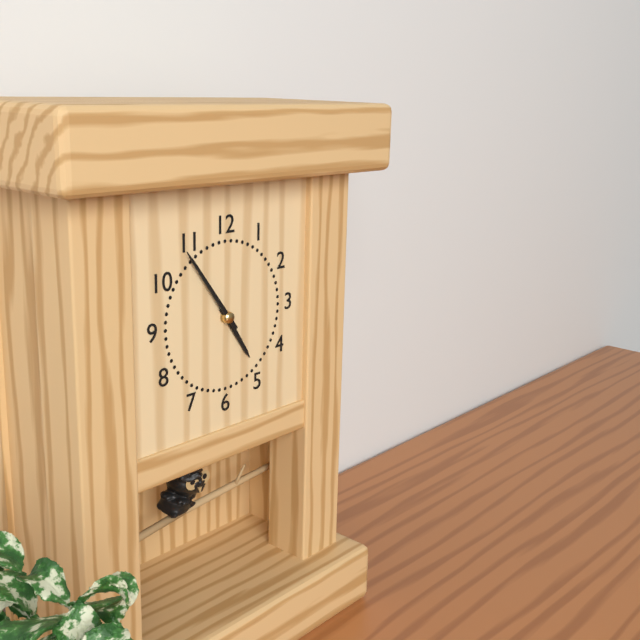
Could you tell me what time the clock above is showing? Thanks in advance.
4:54
